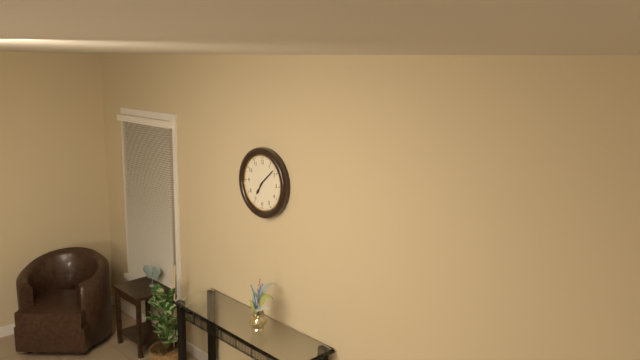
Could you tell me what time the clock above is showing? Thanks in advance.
7:08
